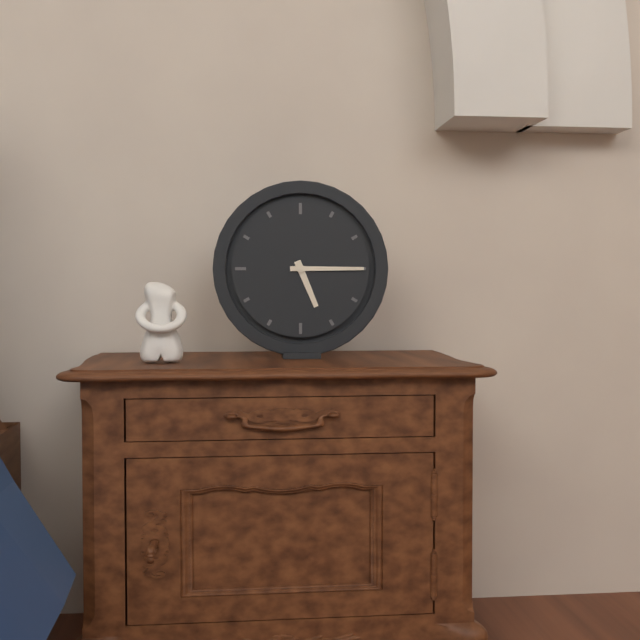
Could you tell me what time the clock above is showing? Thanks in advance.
5:15
